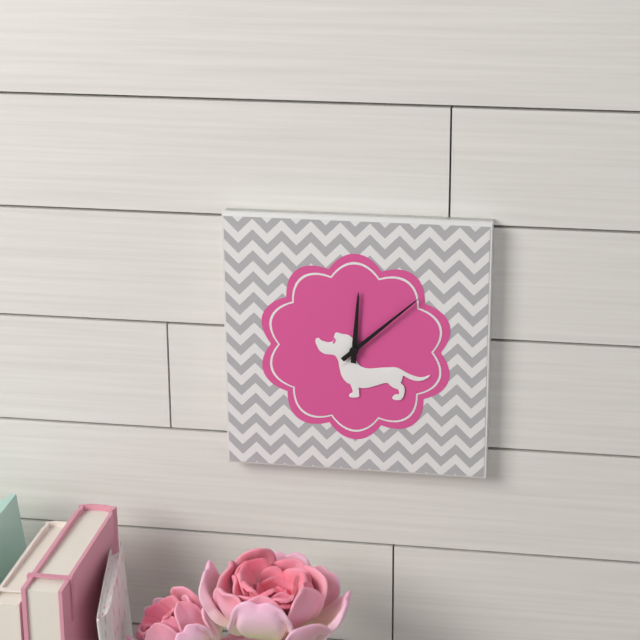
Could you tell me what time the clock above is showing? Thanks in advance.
12:08
